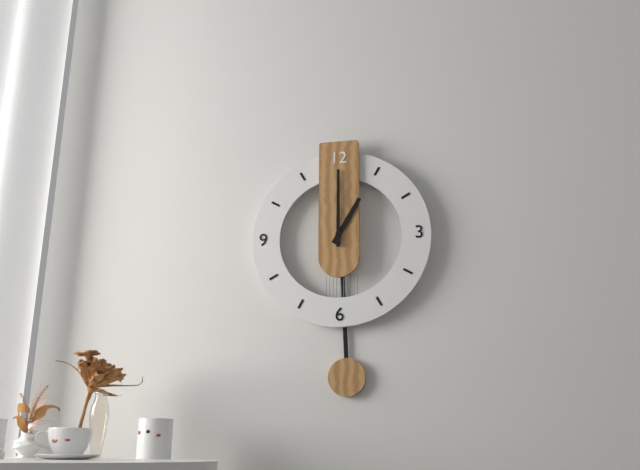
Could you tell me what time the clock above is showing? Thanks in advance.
1:00
